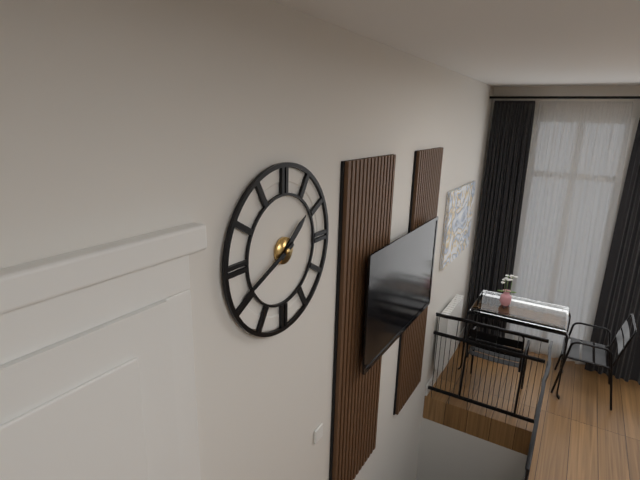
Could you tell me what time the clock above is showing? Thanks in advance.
1:41
